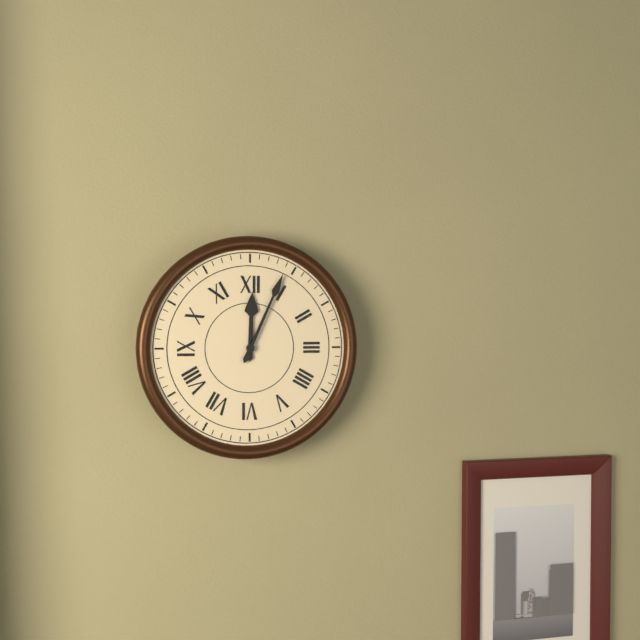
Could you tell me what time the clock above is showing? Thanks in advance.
12:04
